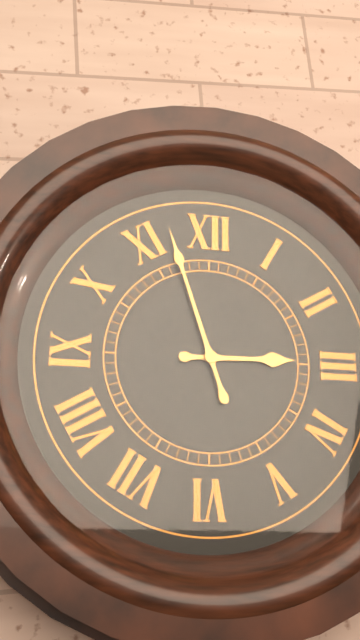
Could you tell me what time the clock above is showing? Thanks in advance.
2:57
